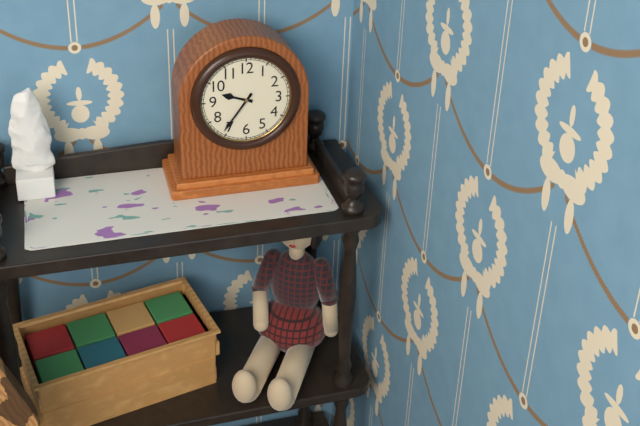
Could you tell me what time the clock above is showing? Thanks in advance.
9:36
